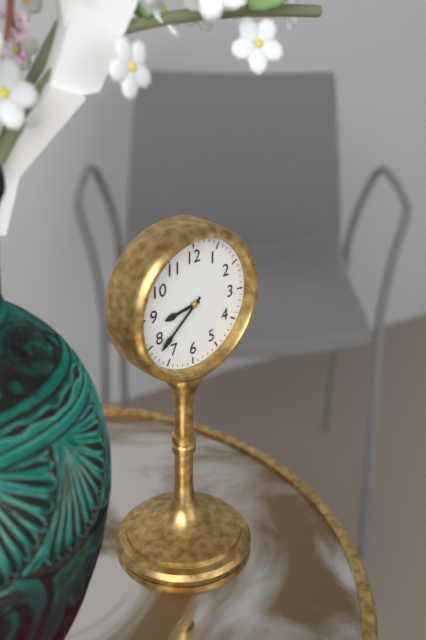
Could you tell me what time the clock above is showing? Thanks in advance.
8:38
